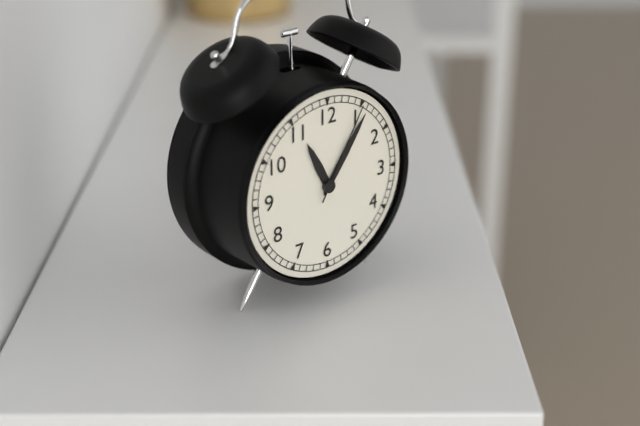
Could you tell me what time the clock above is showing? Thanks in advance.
11:06:05
